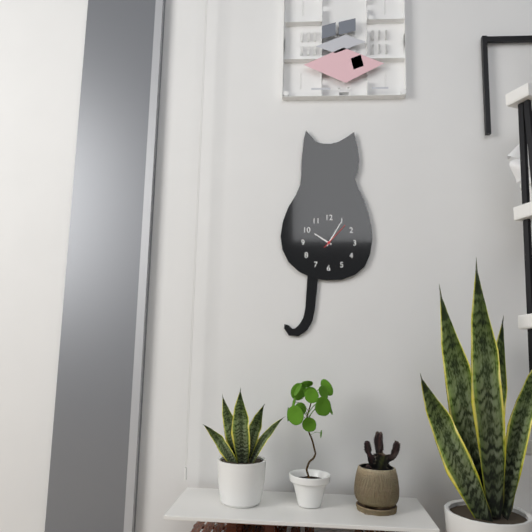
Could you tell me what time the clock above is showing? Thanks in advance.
10:05
